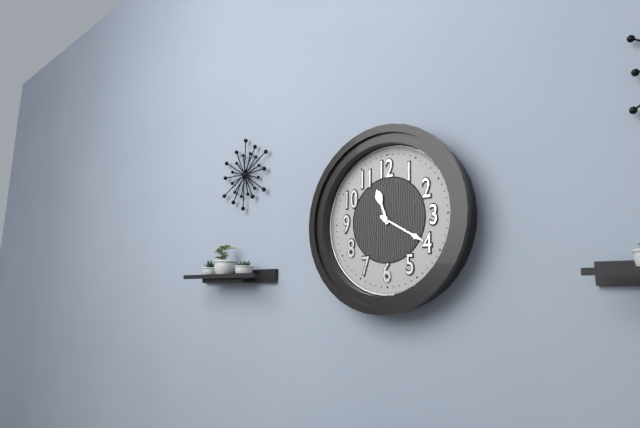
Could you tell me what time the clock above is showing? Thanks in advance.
11:20
